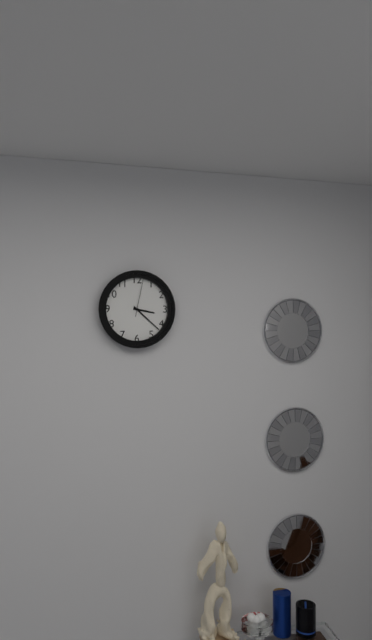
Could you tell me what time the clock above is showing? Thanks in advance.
3:22
